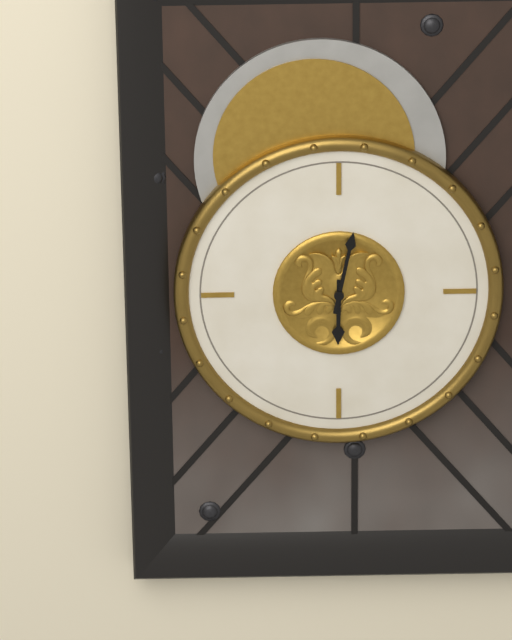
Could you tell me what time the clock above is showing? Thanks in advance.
6:02
